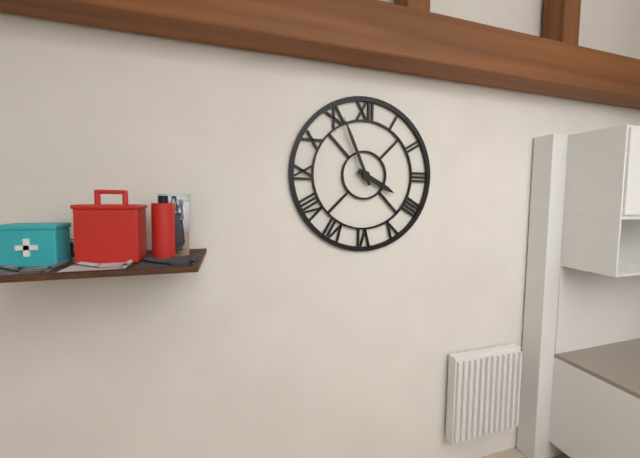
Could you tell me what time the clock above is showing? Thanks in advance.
3:56
